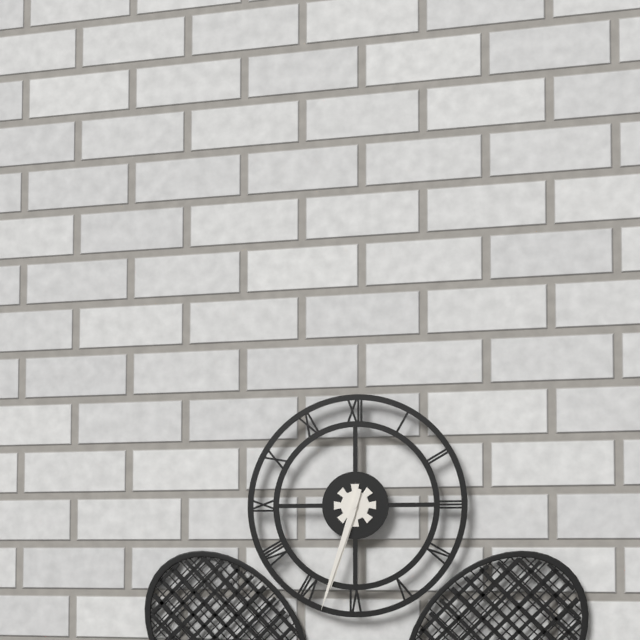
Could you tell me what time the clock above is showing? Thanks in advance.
6:33
